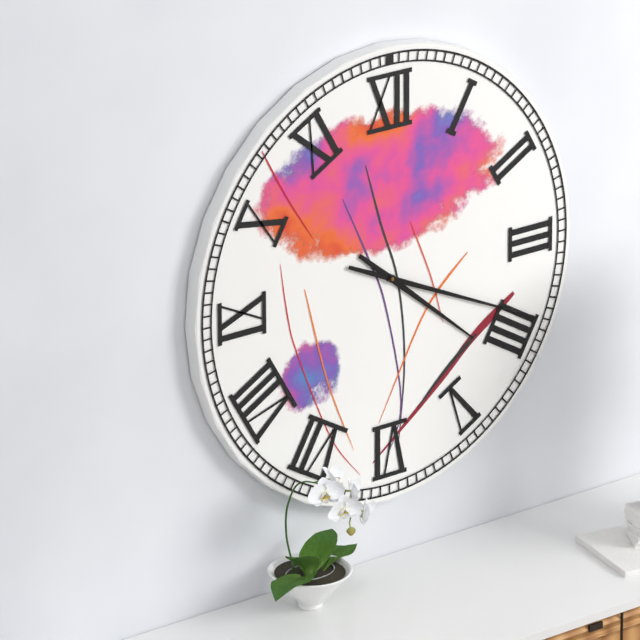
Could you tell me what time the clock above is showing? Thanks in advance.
4:19
